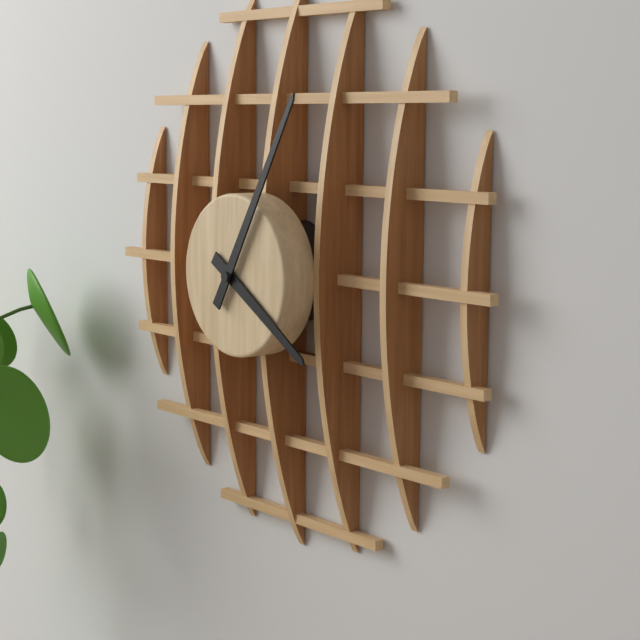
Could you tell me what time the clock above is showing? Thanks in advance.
4:05
